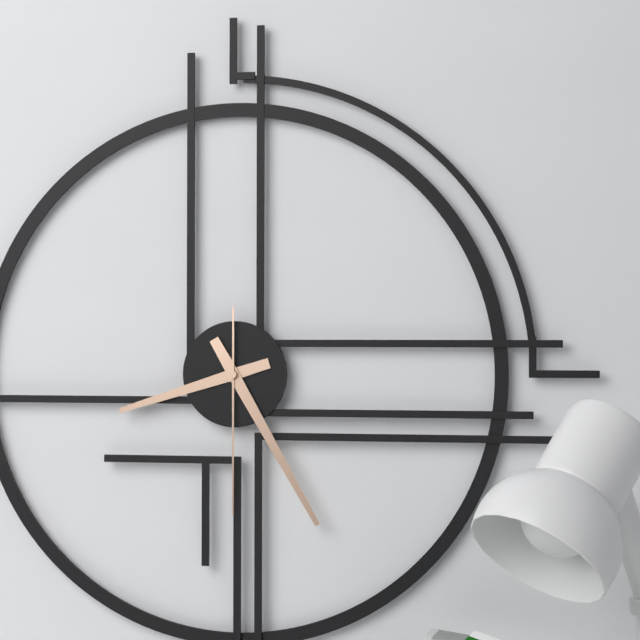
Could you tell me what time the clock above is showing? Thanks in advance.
8:25:30
